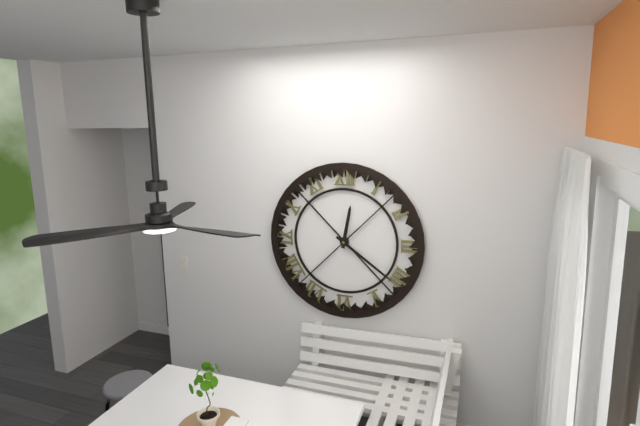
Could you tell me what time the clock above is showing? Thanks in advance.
12:21
